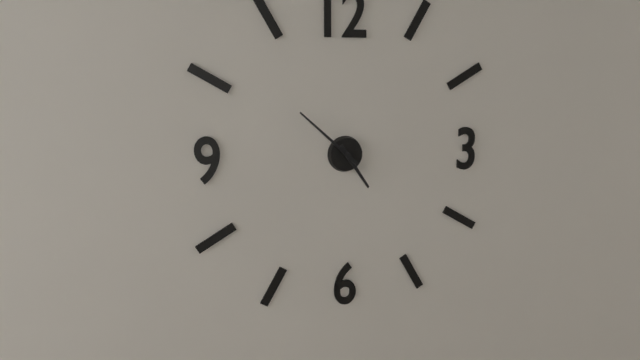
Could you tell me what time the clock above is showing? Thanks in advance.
4:52
